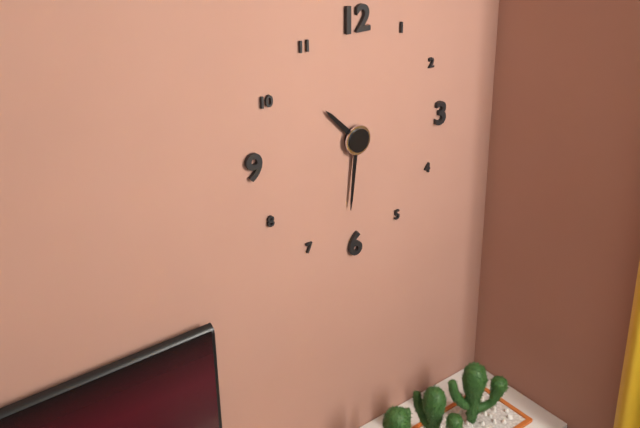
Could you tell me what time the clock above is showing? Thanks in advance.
10:31
